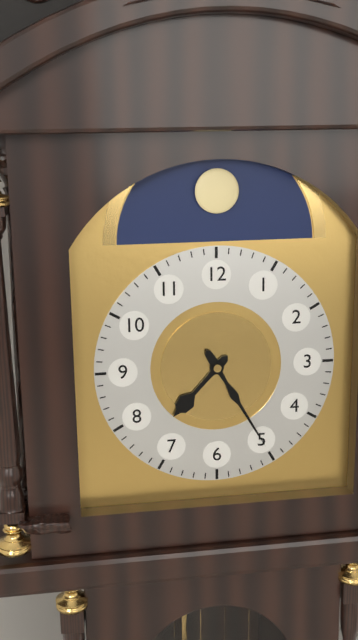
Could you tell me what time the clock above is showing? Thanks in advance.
7:25
